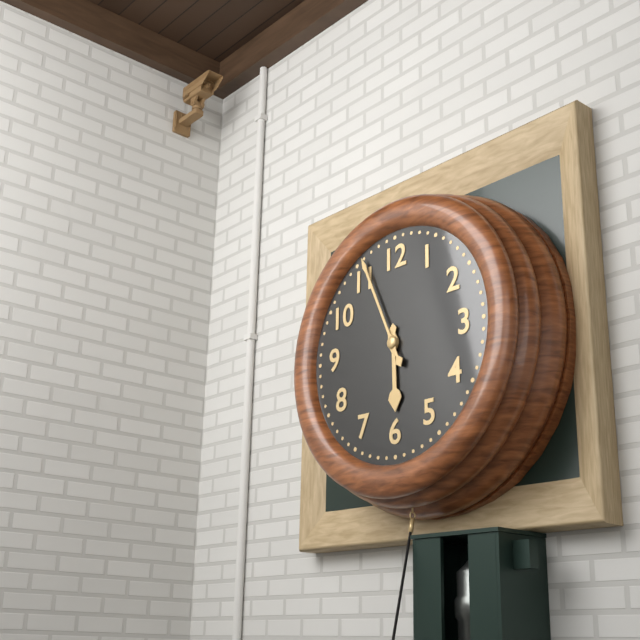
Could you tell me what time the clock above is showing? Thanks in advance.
5:56
